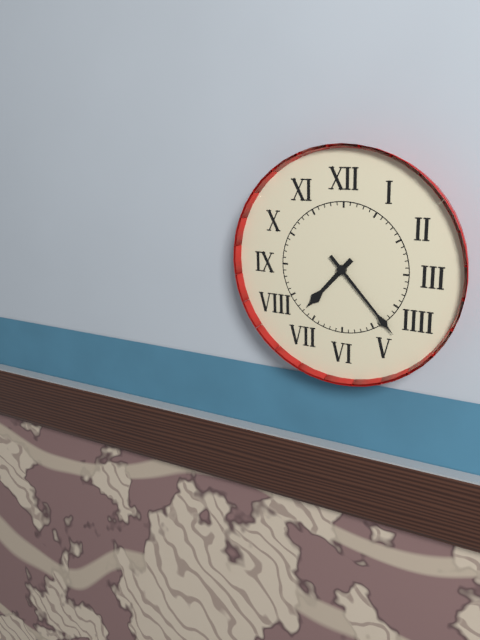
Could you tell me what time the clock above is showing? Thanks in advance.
7:23
